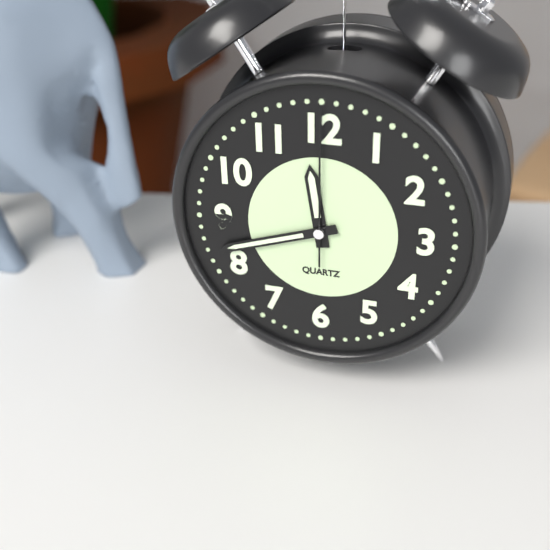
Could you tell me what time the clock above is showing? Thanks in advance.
11:42:00
